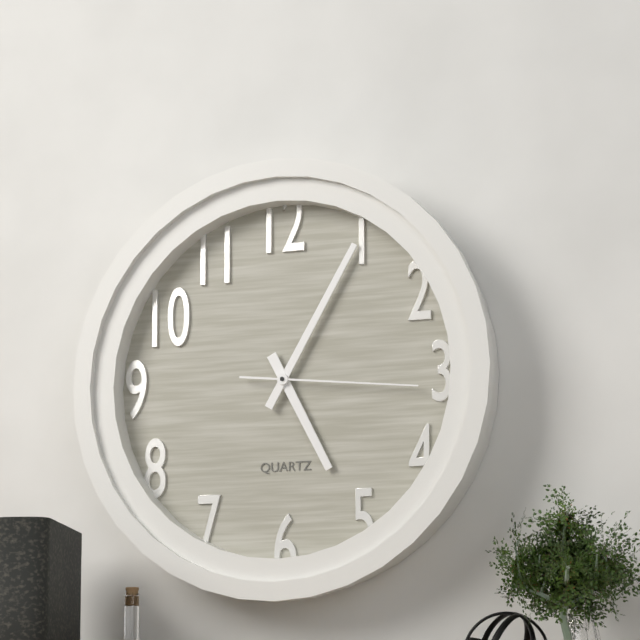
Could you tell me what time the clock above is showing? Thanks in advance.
5:05:16
